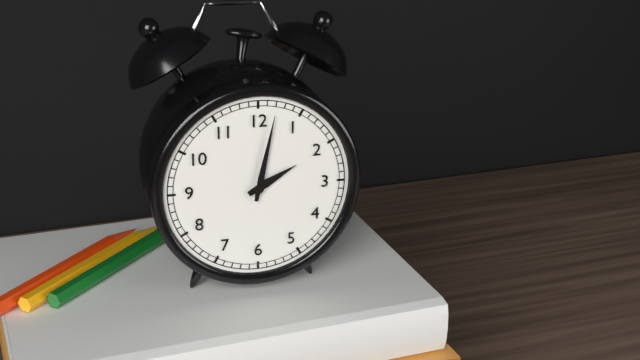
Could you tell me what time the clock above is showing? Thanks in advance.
2:02
